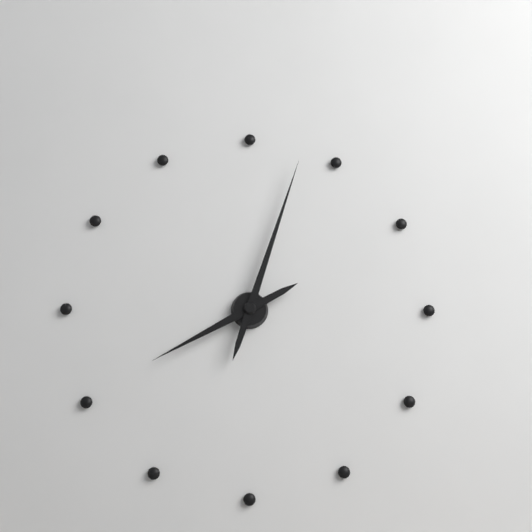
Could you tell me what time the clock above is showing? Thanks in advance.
8:03
